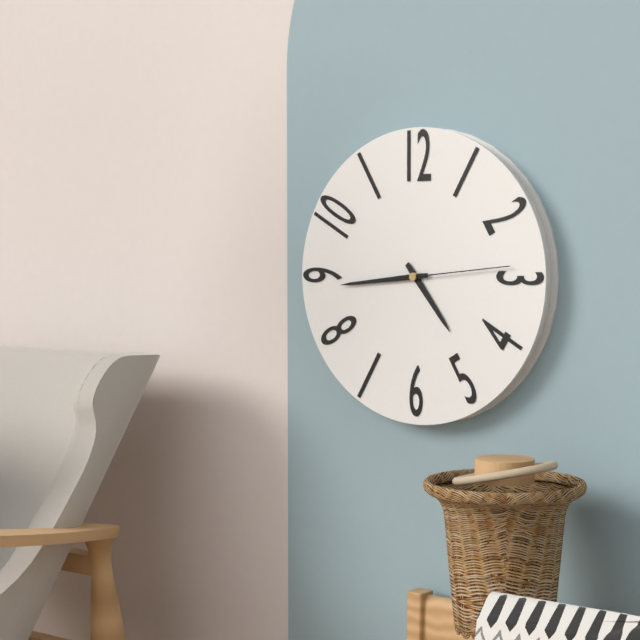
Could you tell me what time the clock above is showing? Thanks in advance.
4:44:14
